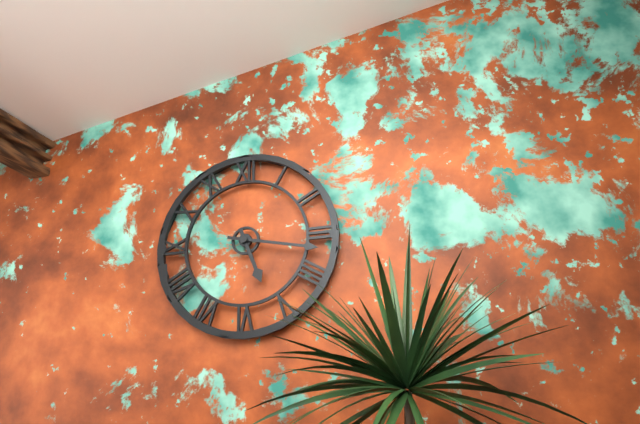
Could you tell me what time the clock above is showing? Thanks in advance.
5:17
